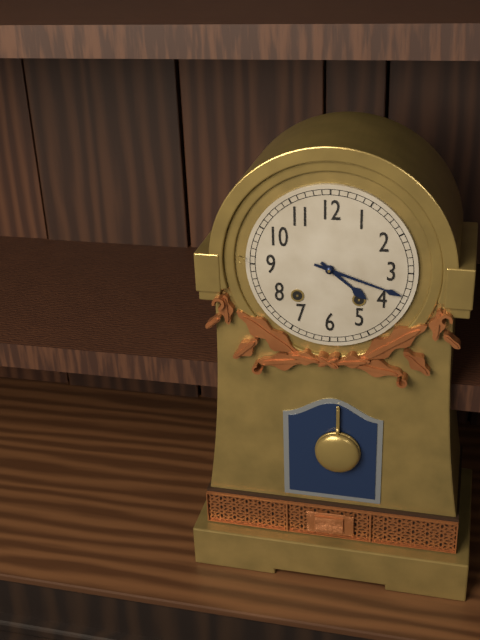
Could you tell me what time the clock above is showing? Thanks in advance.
4:18
